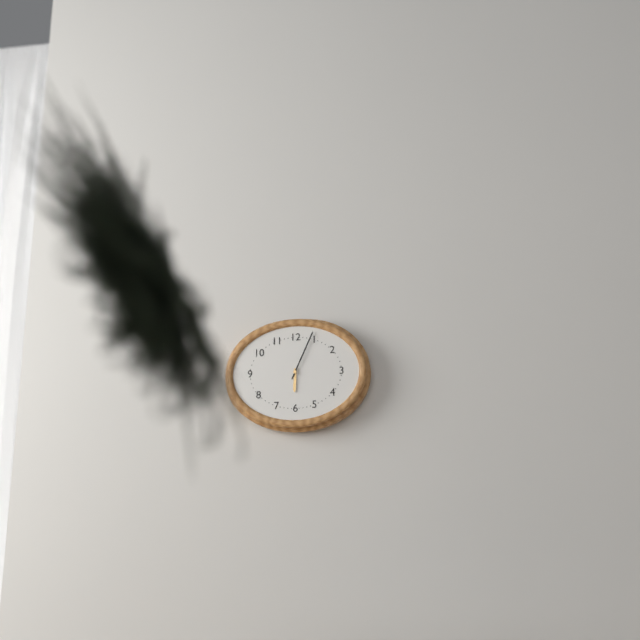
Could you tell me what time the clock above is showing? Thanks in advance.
6:04
